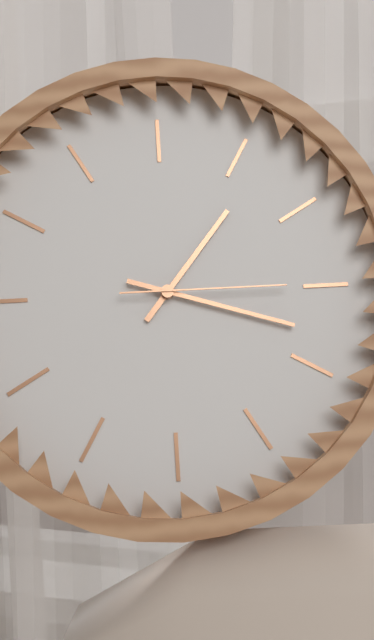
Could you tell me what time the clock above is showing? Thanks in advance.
1:18:15
